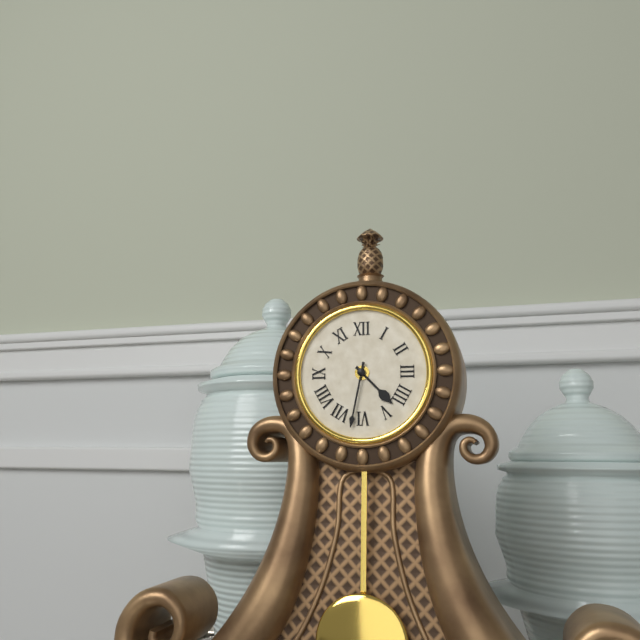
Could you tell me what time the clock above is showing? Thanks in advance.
4:32
